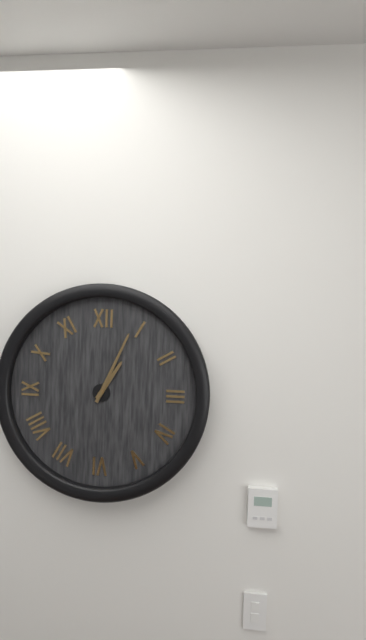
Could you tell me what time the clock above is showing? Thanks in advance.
1:04
